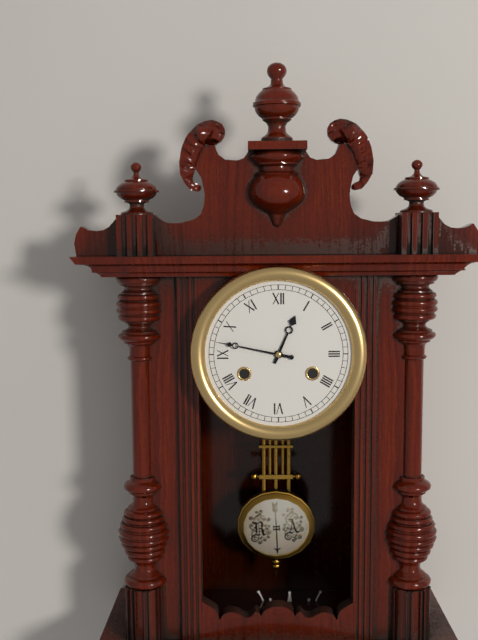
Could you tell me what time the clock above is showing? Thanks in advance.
12:47
